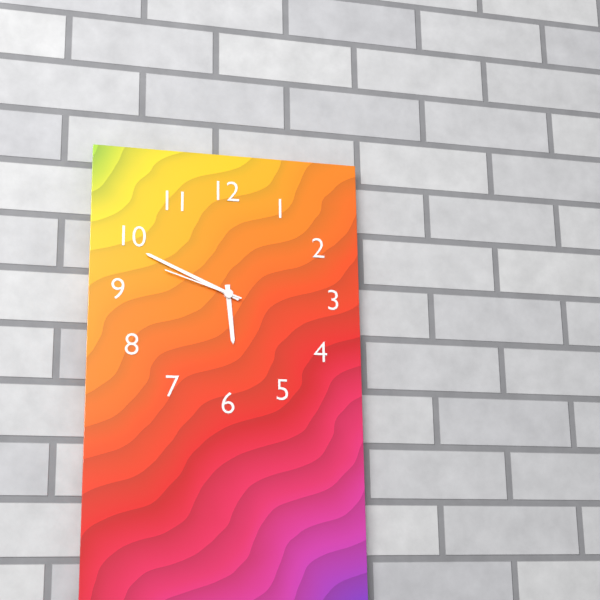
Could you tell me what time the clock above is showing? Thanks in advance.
5:49:48
